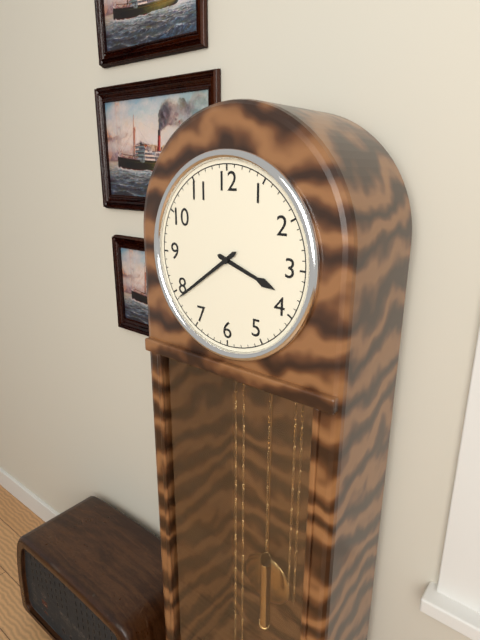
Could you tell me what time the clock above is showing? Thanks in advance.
3:39
